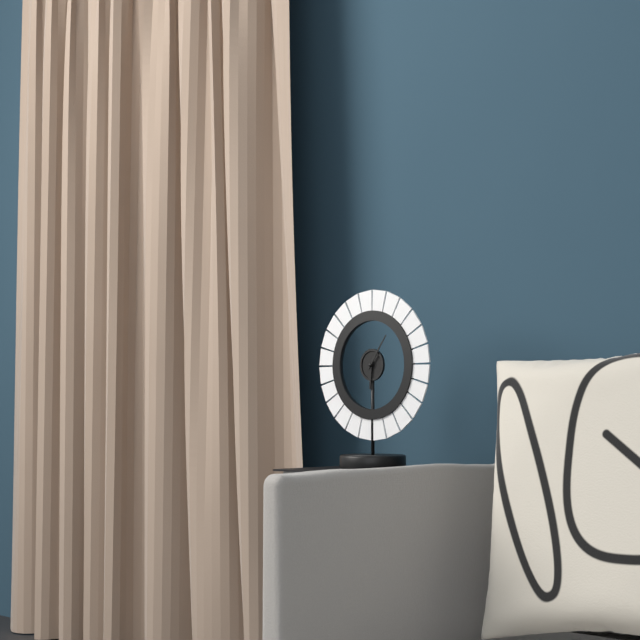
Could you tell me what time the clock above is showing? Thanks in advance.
6:06
